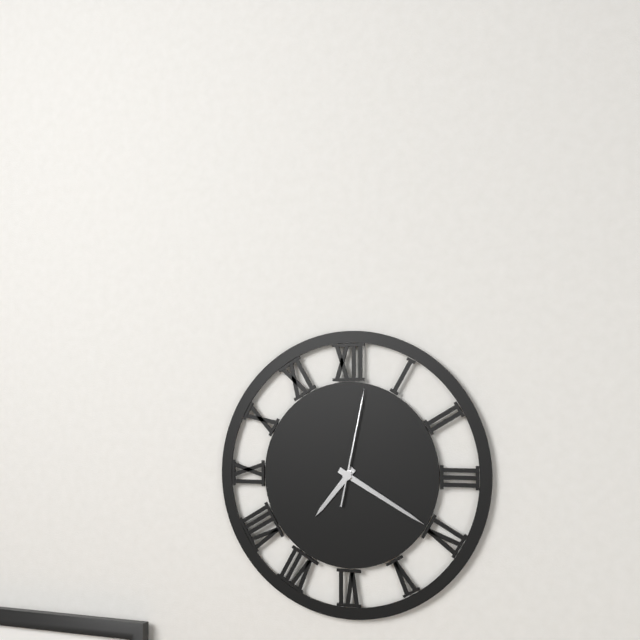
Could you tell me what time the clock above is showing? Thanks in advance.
7:20:02
